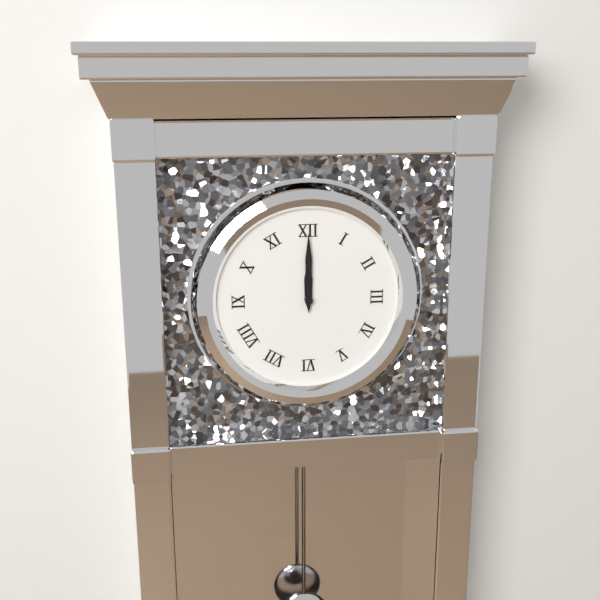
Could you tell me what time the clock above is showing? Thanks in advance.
12:00
